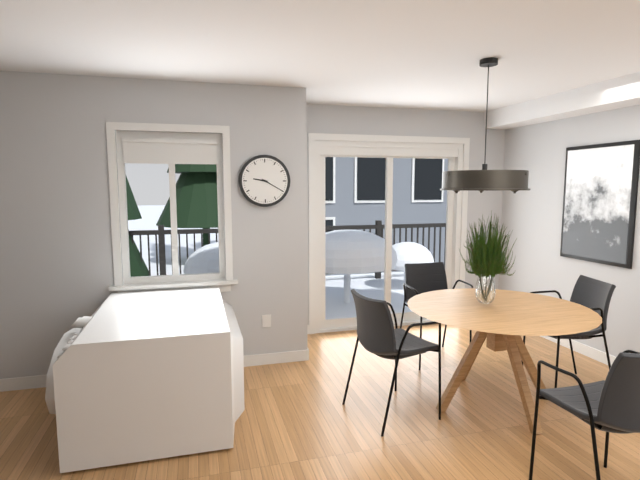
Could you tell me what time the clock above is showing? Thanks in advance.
9:20
